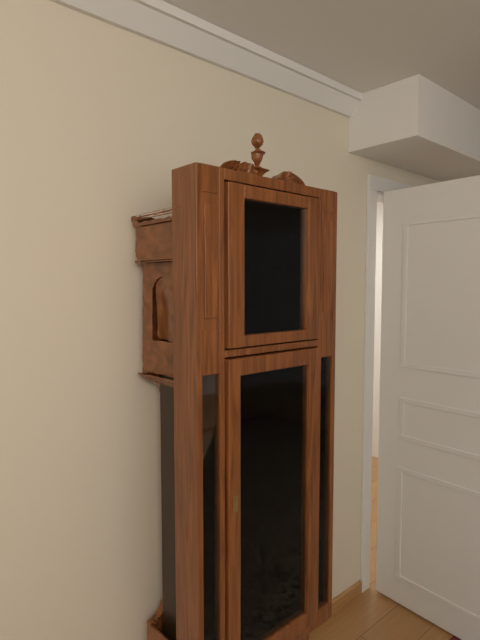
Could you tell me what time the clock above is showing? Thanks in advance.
1:10
